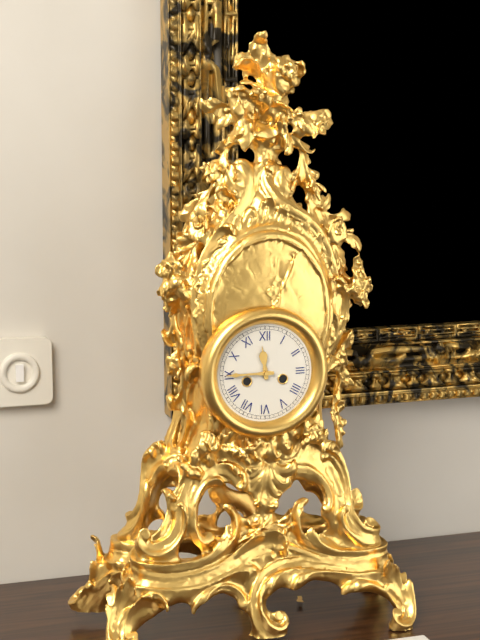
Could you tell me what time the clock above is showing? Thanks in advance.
11:45
